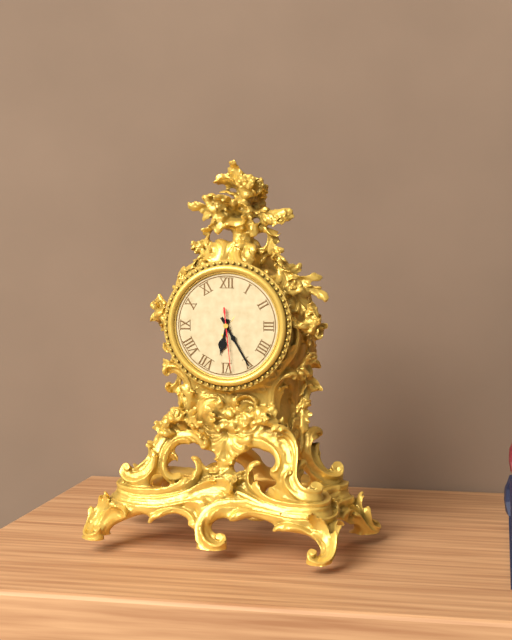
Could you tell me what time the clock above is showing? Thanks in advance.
6:25:29
